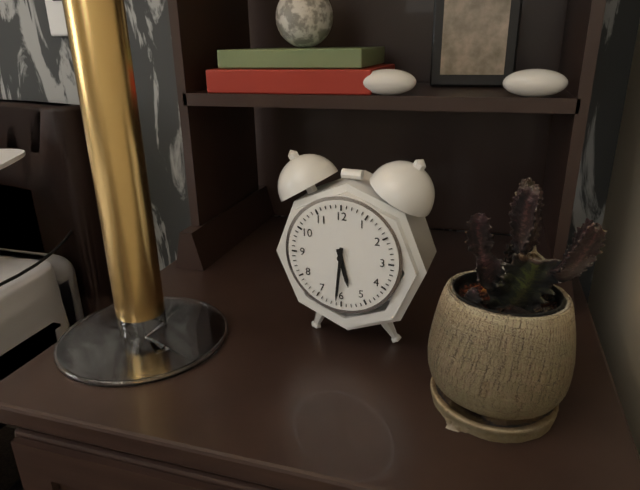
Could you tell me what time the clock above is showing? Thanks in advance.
5:31
